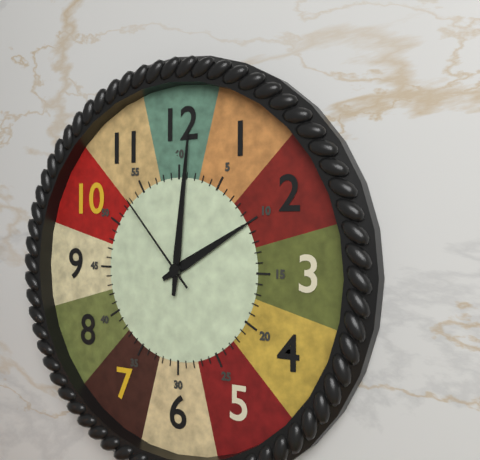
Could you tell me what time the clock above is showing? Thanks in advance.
2:01:53
